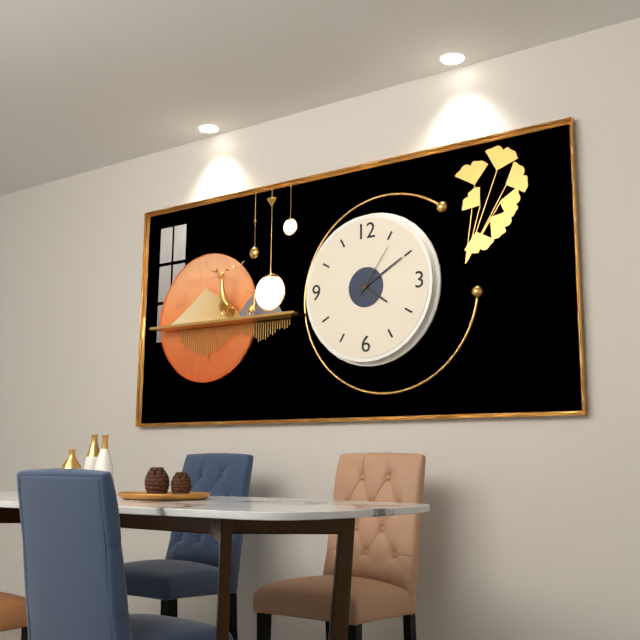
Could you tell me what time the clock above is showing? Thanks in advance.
4:10:06
